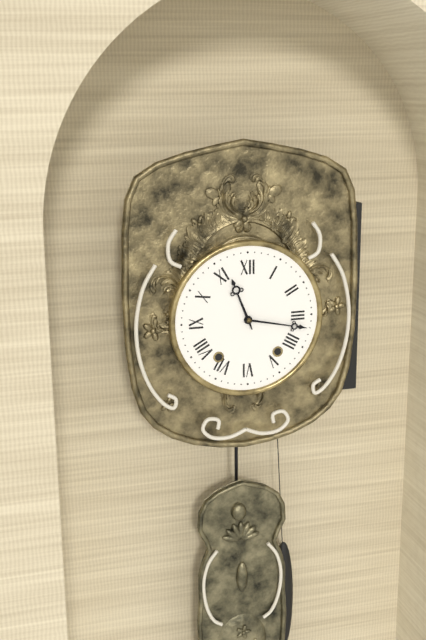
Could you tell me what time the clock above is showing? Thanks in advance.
11:17
